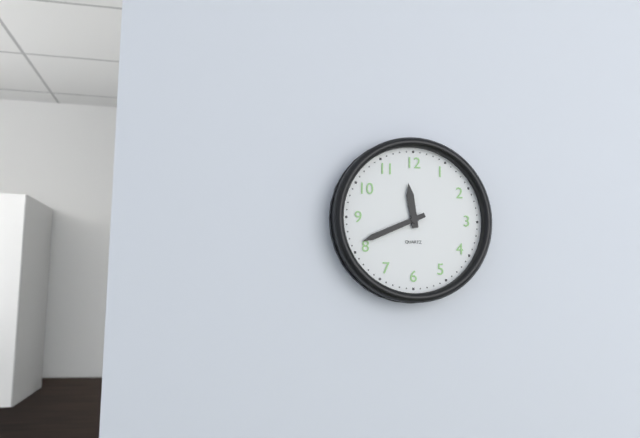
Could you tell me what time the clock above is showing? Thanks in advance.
11:41
